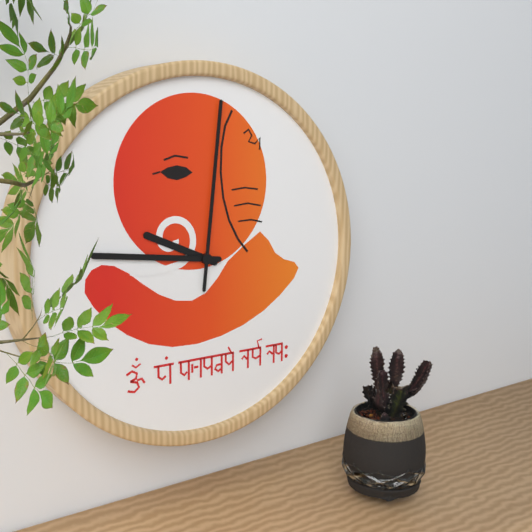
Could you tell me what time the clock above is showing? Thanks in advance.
9:46:01
